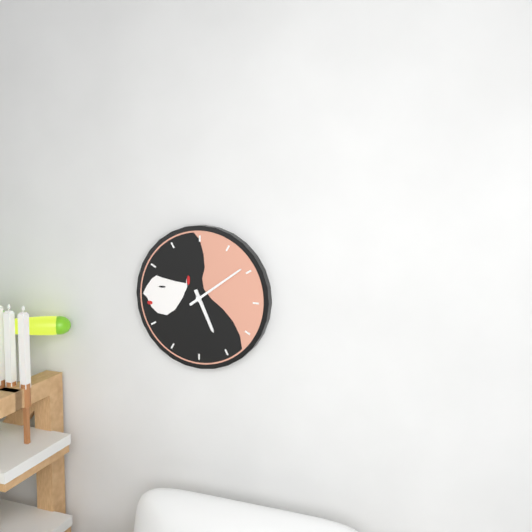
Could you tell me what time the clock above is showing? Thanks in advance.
5:09
